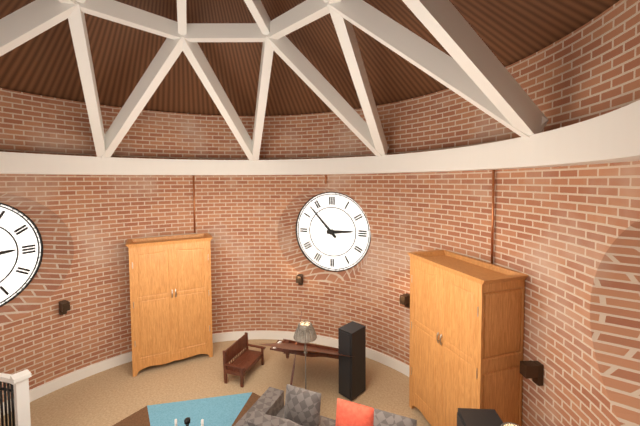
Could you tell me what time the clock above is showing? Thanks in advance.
2:53
